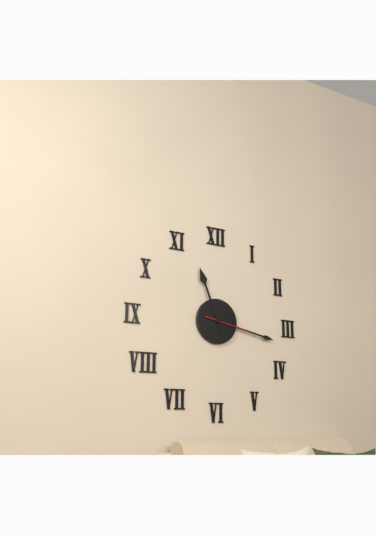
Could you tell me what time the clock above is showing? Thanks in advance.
11:17
